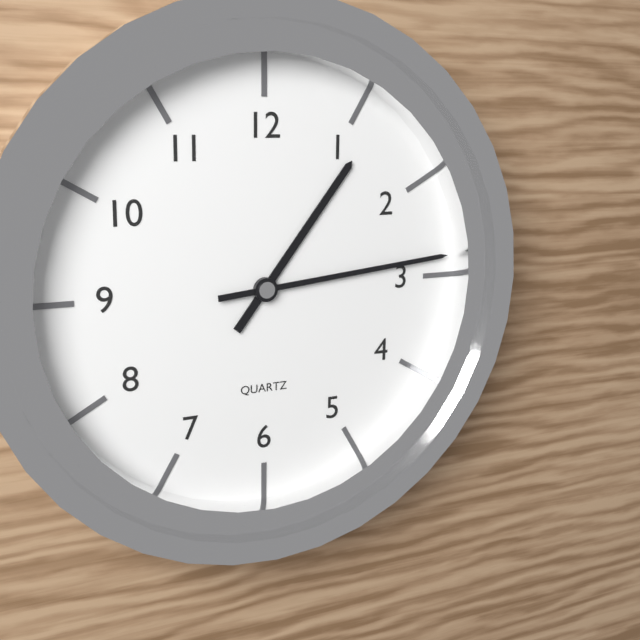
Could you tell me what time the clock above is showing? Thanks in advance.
1:14
